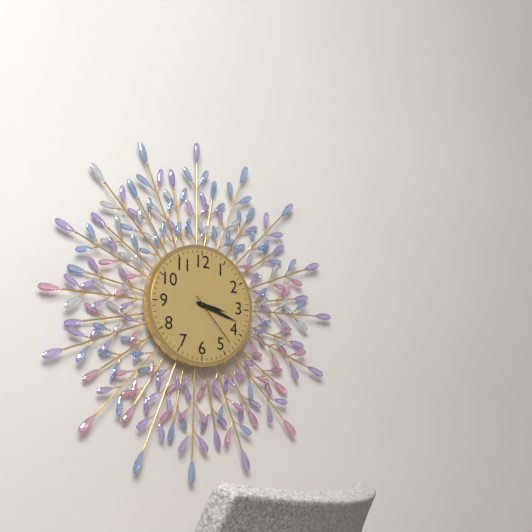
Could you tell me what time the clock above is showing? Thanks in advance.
3:18:23
